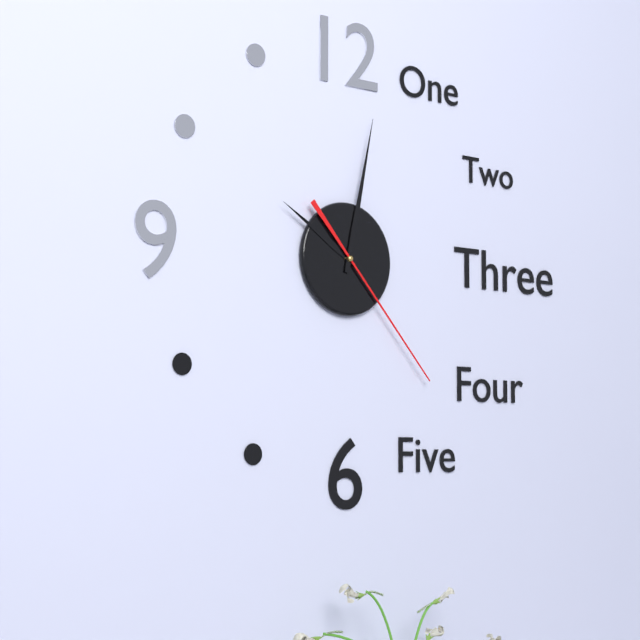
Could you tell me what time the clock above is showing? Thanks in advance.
10:02:23
